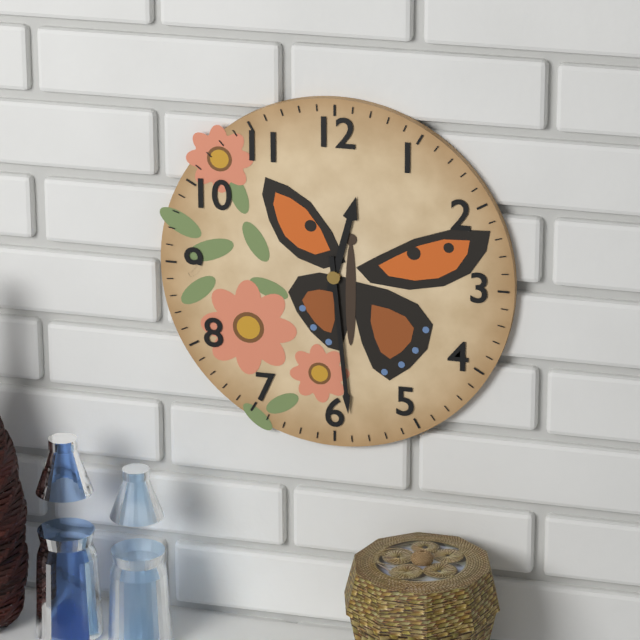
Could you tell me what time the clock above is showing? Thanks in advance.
12:29
